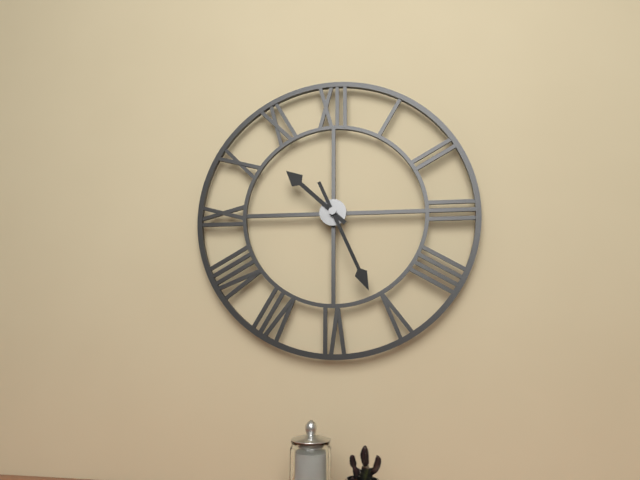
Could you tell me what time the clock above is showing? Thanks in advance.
10:26
